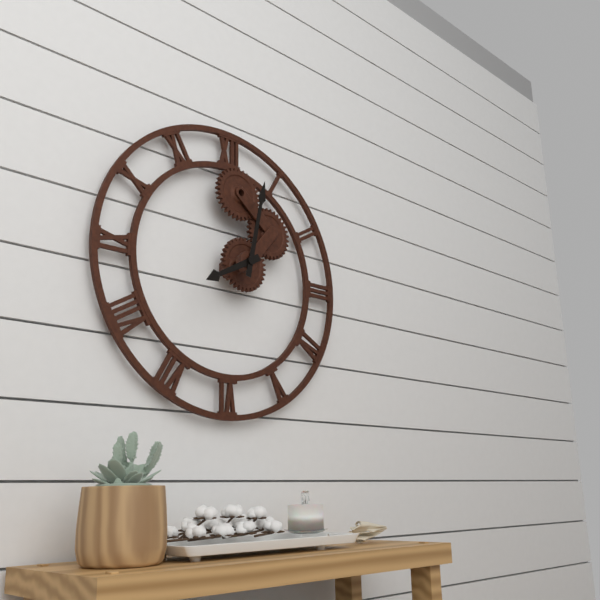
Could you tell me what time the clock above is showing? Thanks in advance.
8:02
